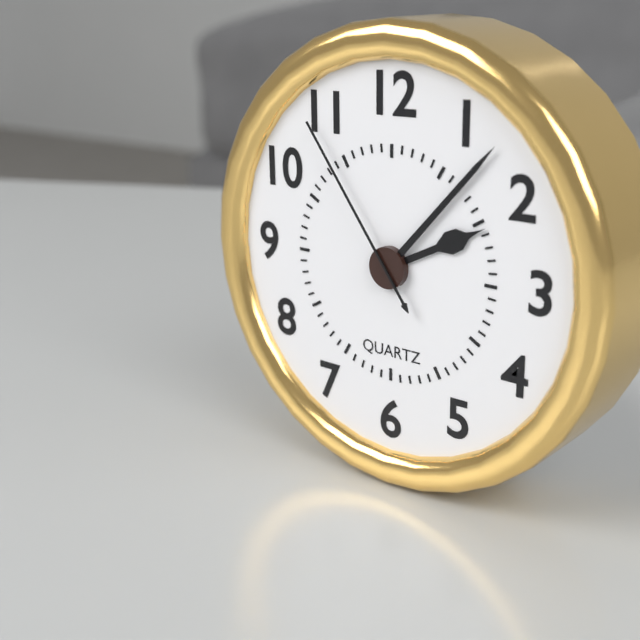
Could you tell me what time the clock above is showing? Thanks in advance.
2:07:54
